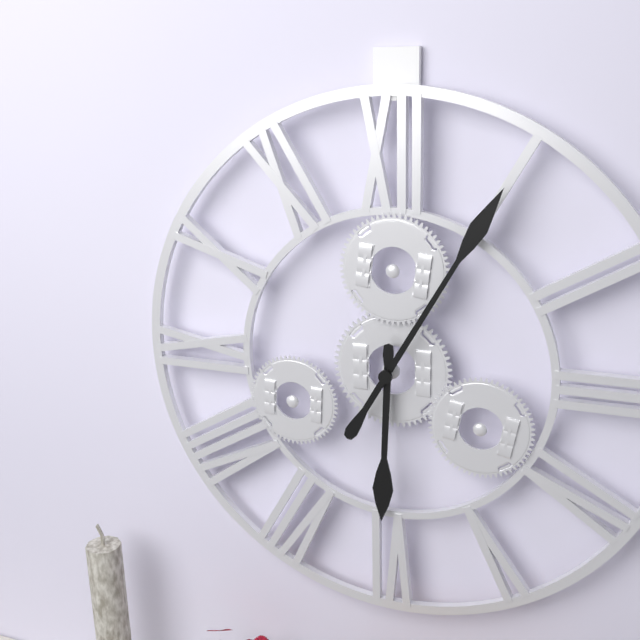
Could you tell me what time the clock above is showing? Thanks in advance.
6:05
